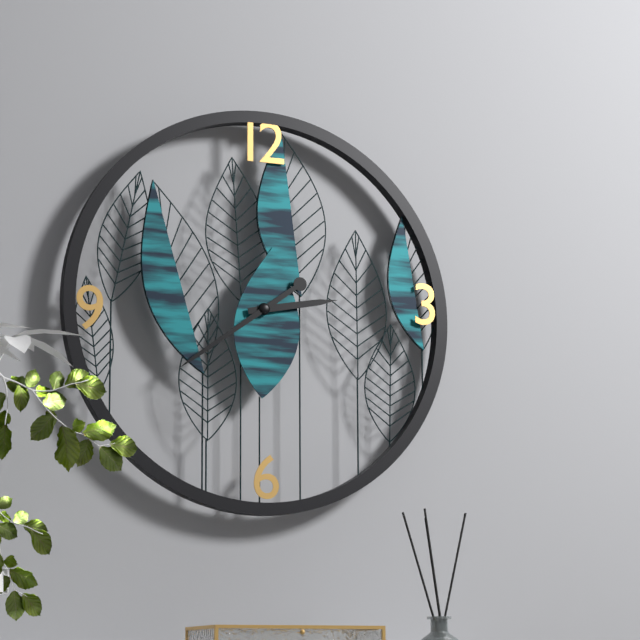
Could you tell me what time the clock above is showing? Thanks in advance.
2:39
